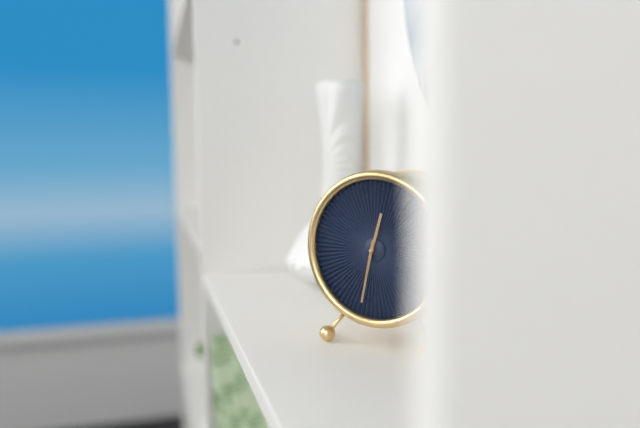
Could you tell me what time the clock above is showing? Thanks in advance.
12:32
